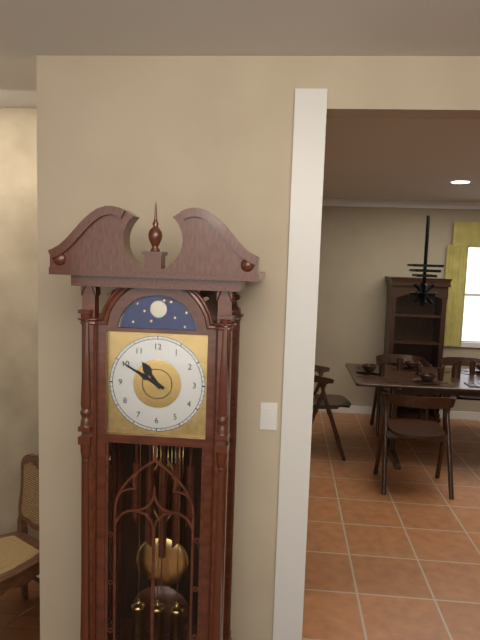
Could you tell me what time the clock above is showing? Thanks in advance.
10:50
